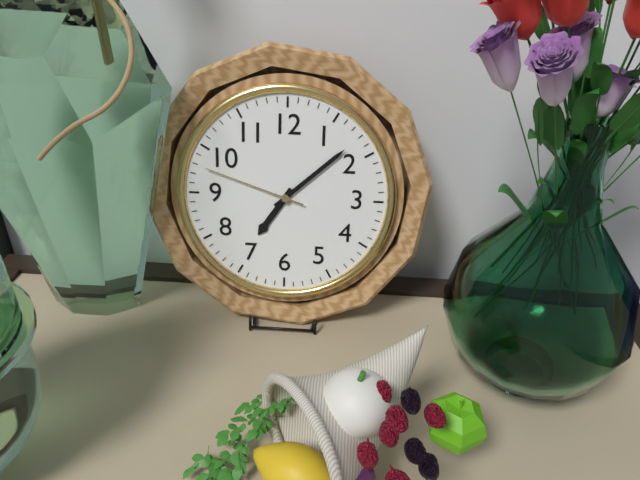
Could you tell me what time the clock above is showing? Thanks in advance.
7:08:48
